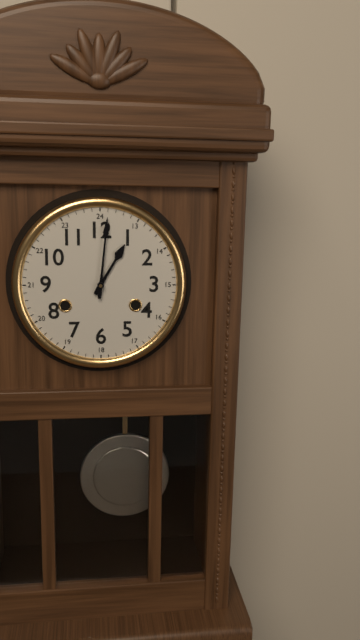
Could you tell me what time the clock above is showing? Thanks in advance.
1:01
